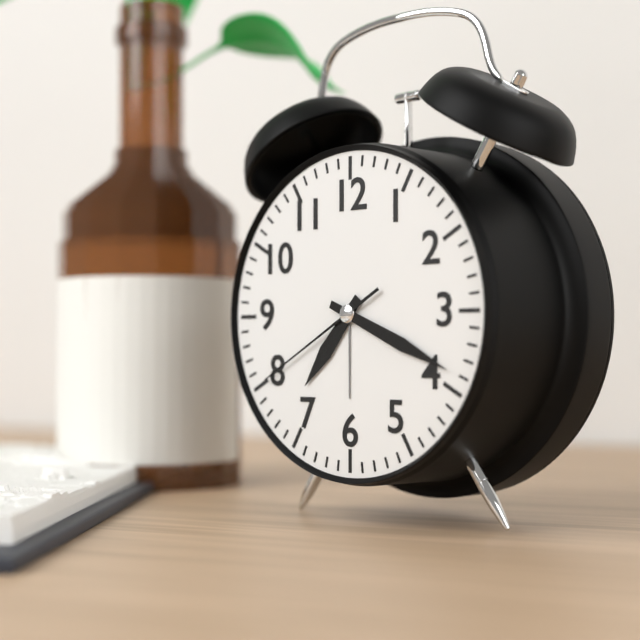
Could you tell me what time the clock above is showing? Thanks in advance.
7:19:40
